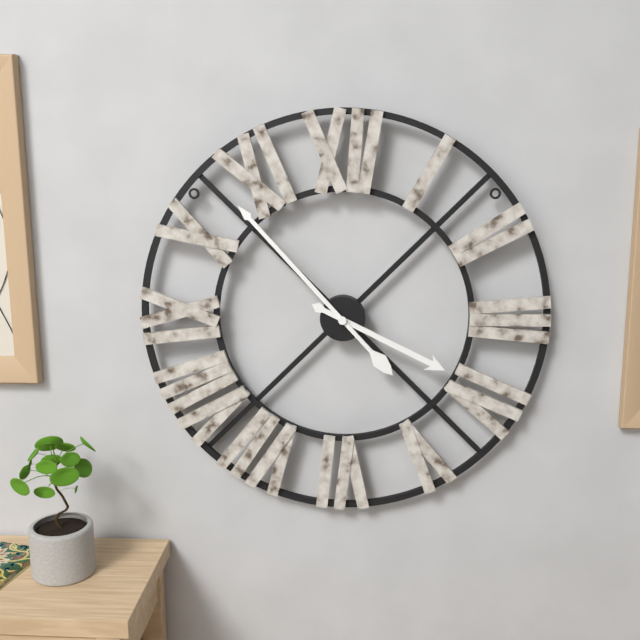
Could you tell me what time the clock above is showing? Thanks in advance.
3:53
